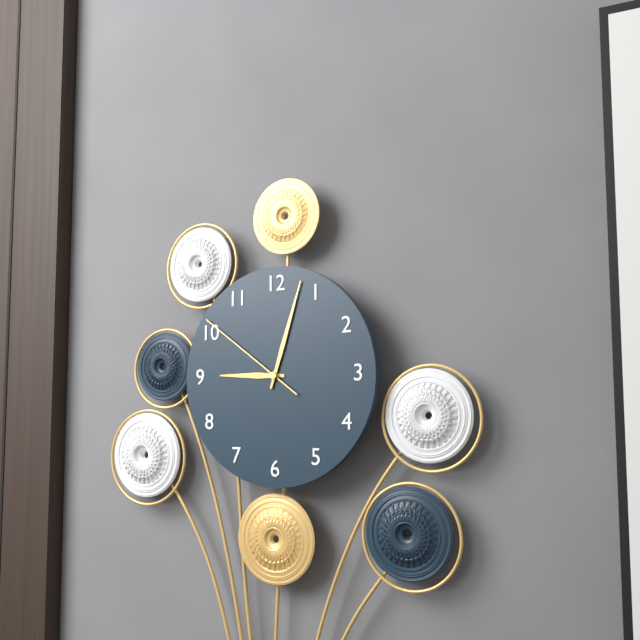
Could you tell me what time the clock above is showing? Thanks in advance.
9:03:51
